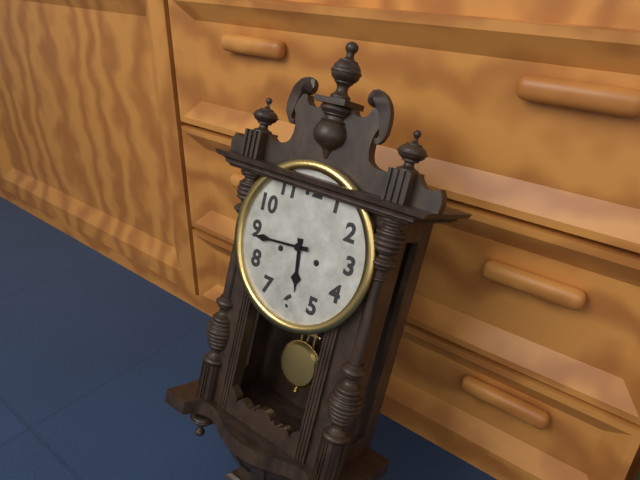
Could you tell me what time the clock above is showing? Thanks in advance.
5:44
